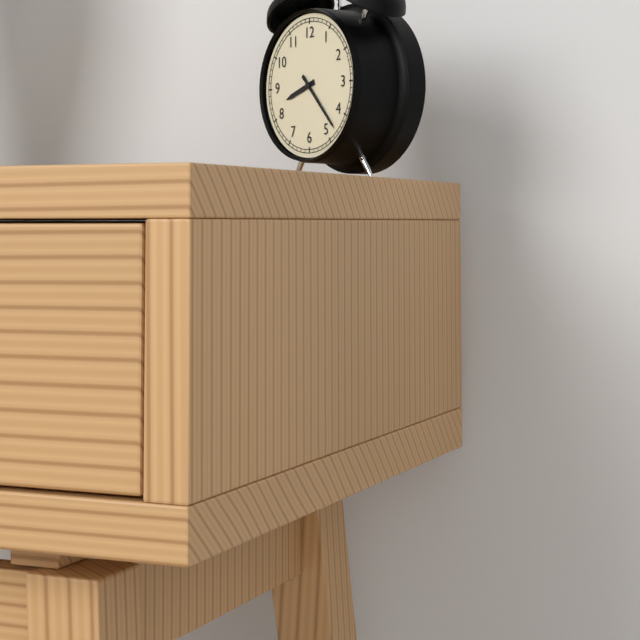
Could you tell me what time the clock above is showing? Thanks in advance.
8:23
